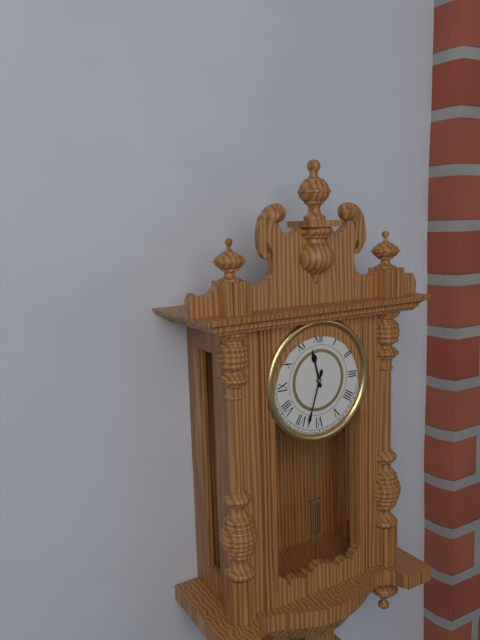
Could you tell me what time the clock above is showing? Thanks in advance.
11:33
